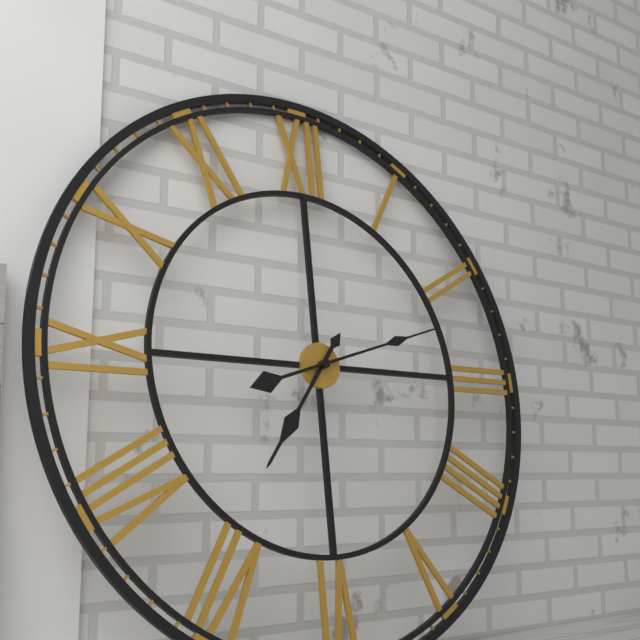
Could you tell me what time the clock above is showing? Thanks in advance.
7:12
